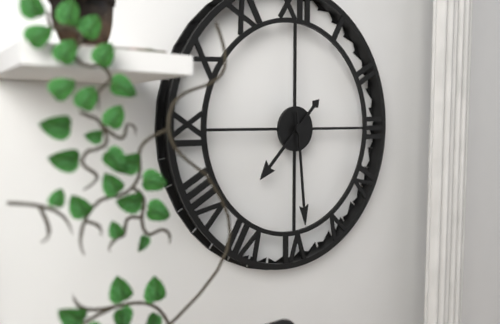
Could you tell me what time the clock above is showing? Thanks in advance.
7:29
